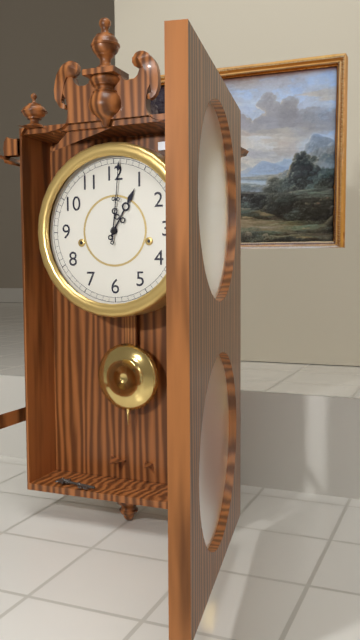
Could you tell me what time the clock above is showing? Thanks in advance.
1:01
